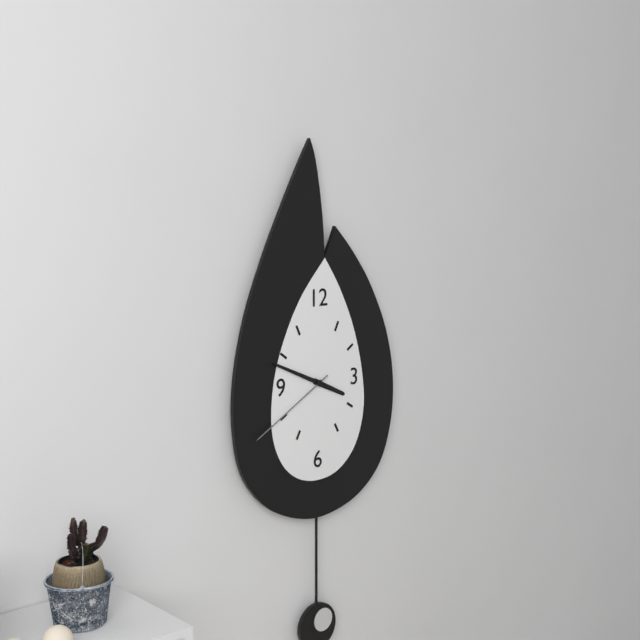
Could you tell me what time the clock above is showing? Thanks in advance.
3:49:40
